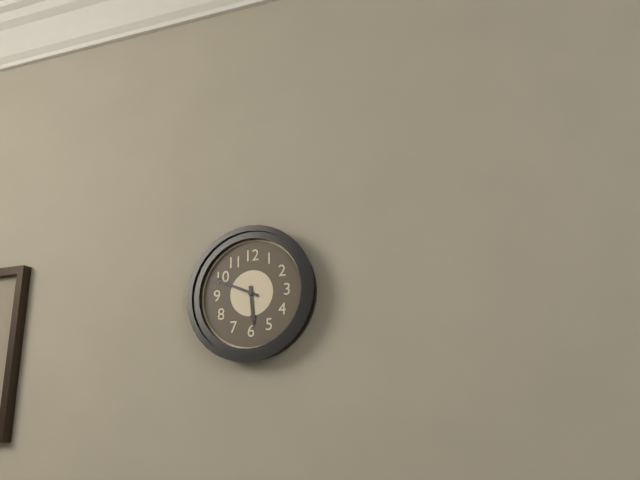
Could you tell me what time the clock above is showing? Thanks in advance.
5:49
